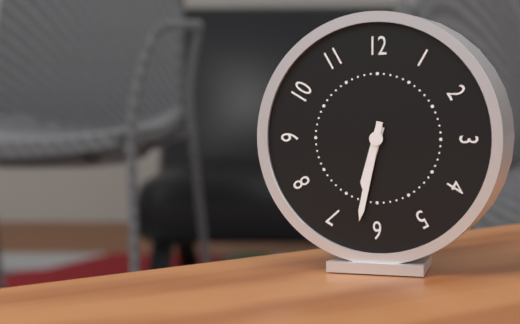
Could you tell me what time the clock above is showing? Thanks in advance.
6:32
